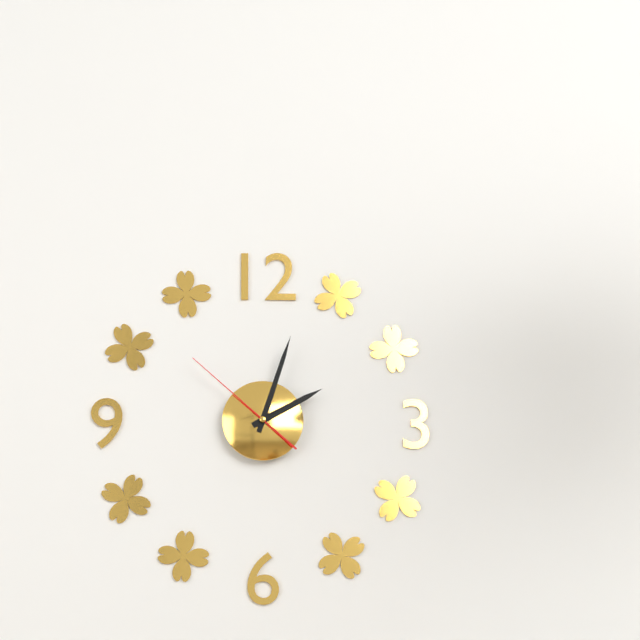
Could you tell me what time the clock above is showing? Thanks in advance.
2:03:52
